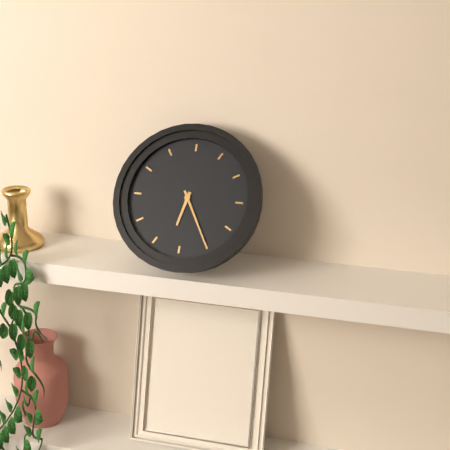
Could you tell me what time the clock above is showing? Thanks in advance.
6:25
